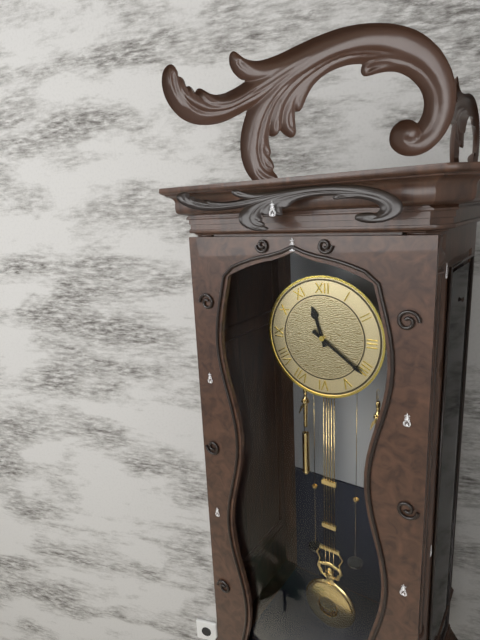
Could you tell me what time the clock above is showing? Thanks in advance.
11:21
